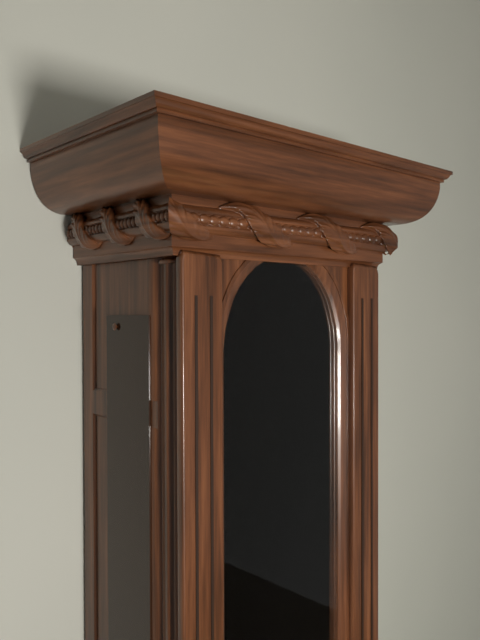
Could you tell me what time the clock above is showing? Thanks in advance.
9:37
